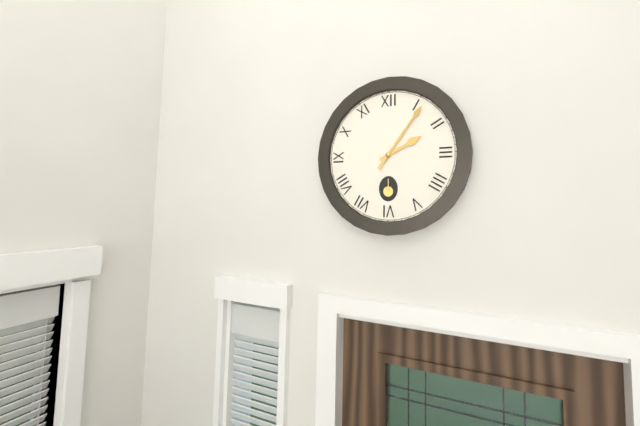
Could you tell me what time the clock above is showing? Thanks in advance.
2:06
